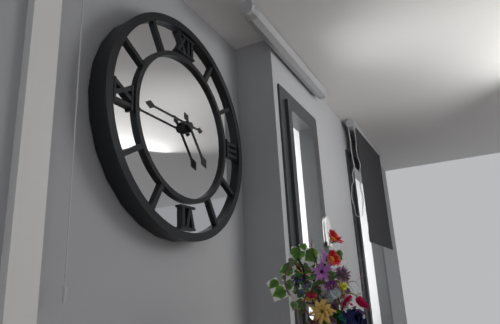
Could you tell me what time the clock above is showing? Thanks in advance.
4:45
